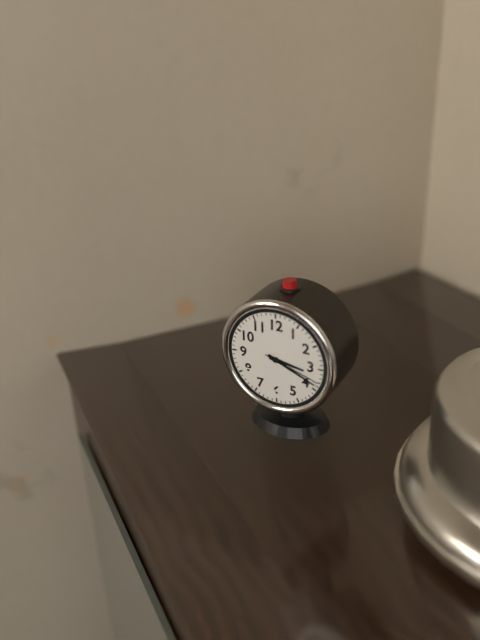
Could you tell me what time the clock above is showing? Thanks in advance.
3:19:18
